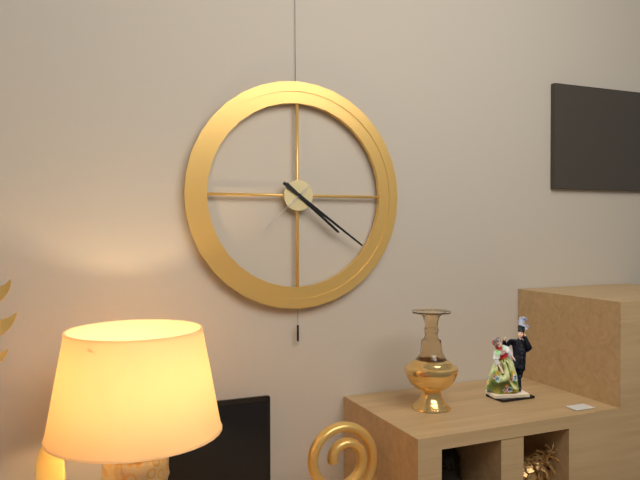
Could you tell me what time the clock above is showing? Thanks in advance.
4:21:38
